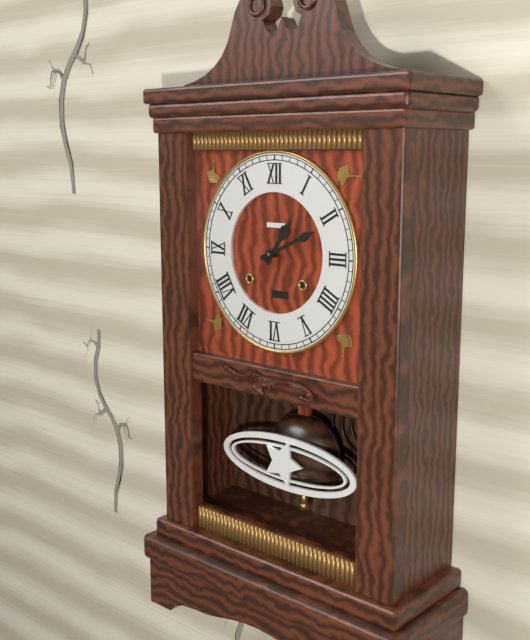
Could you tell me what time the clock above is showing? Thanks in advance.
1:11
